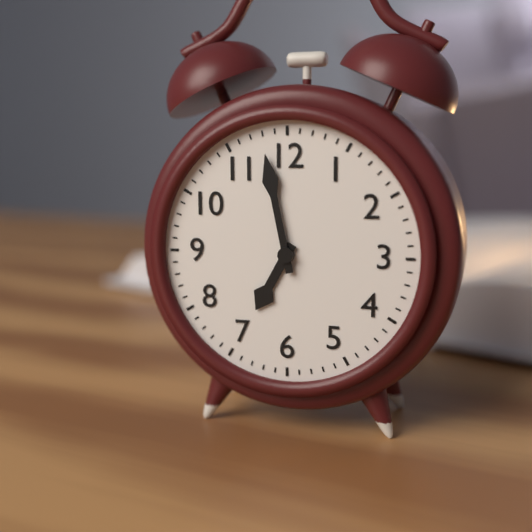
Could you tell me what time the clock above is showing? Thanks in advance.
6:58
